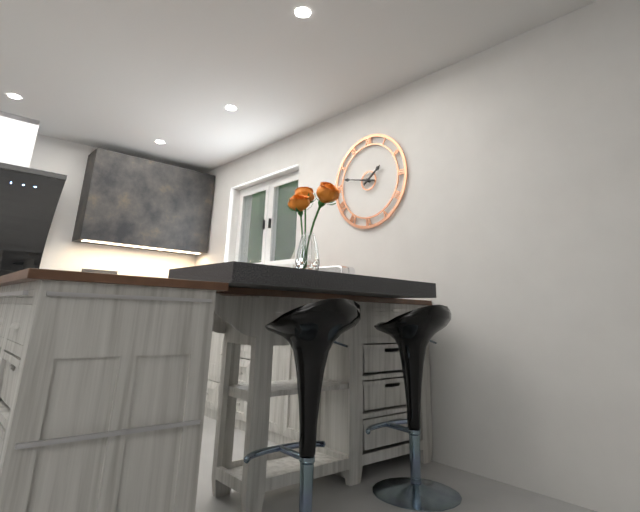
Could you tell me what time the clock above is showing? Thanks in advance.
1:47
